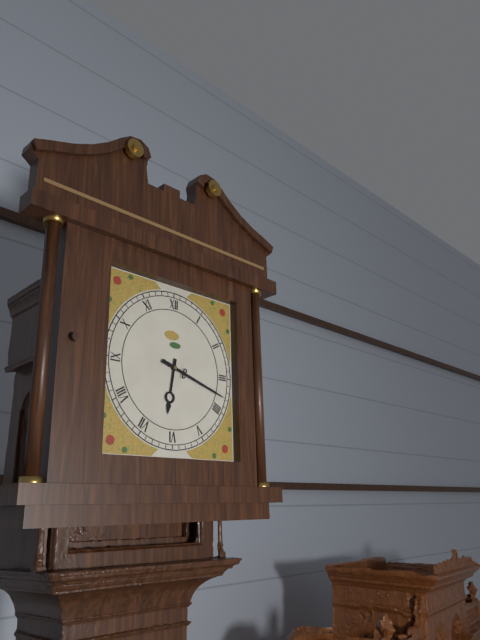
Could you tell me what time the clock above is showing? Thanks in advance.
6:18
